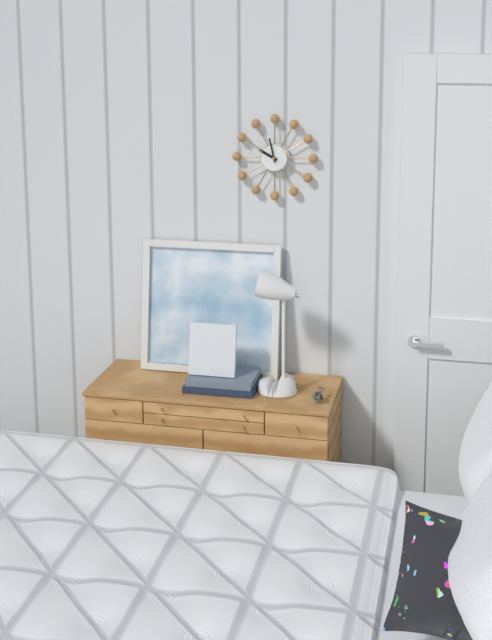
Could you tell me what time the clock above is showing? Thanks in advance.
9:58
